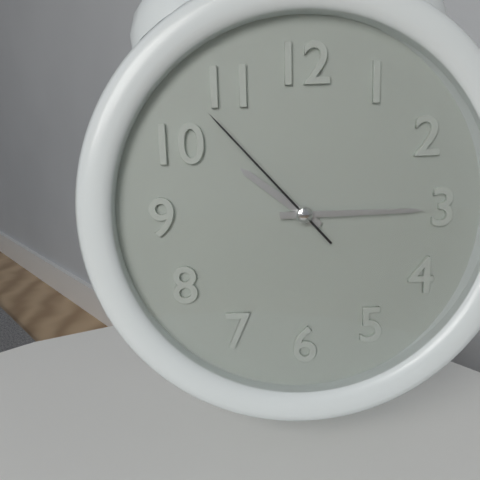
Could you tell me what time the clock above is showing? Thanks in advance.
10:15:53
